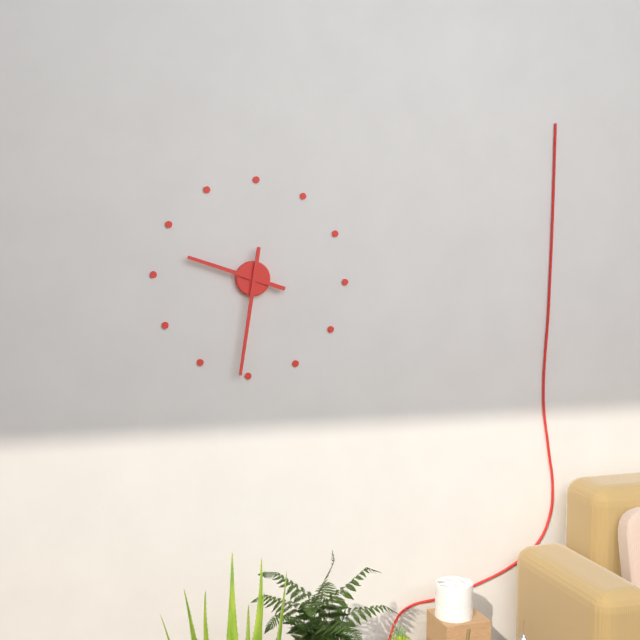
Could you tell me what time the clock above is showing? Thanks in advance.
9:31
